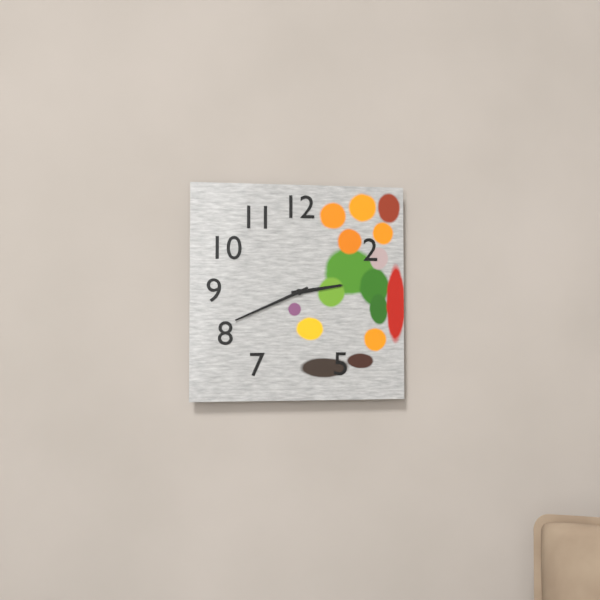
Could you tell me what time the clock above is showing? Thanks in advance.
2:41
